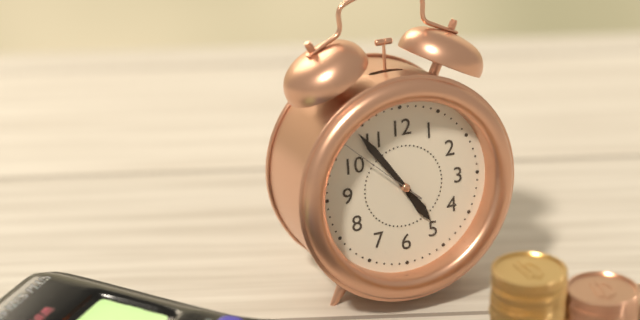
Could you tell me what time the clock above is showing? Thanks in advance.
4:54:52
